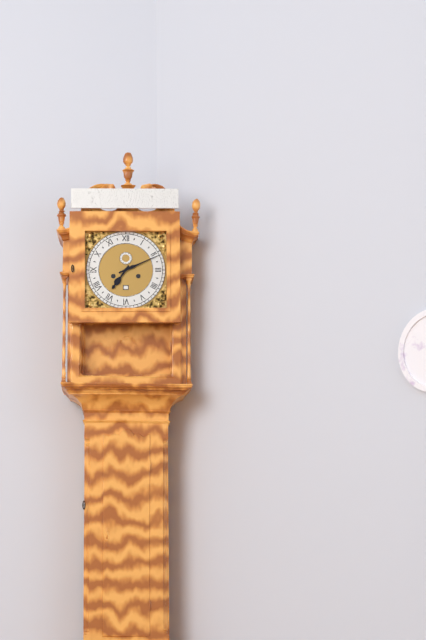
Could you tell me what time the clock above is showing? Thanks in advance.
7:11
